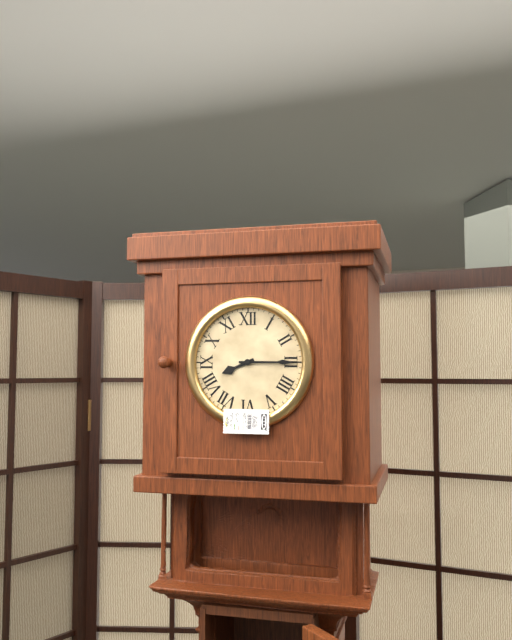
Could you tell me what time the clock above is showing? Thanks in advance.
8:15
